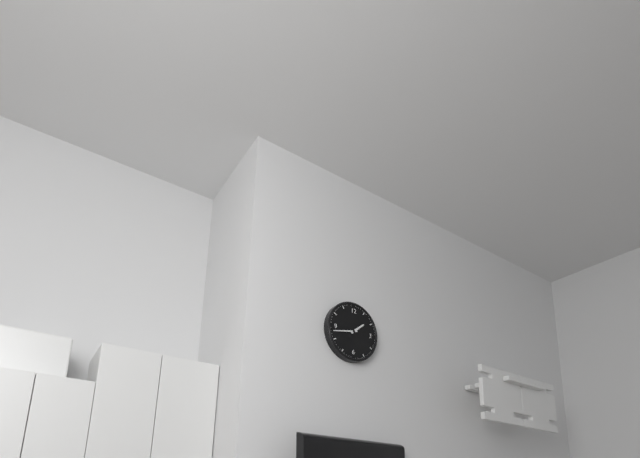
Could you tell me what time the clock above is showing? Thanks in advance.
1:43
